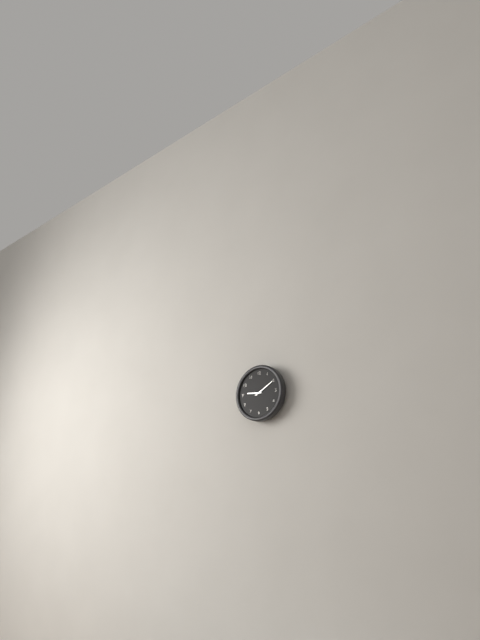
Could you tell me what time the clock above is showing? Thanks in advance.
9:10
